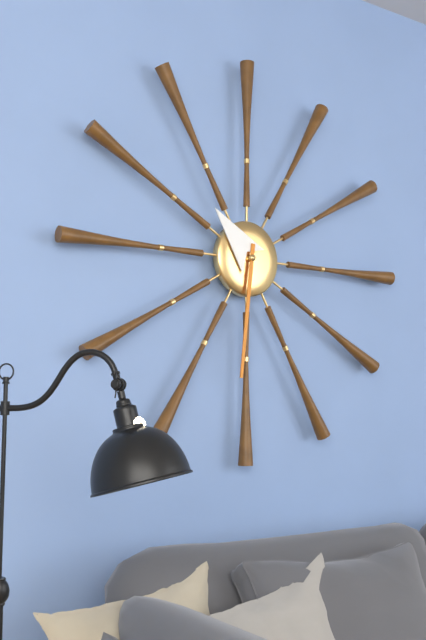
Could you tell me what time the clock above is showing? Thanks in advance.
10:31
